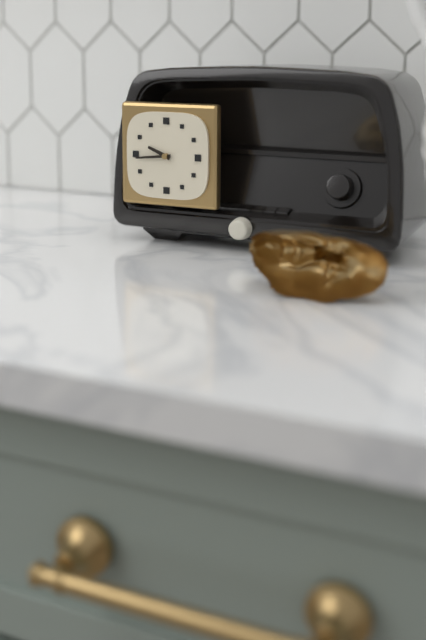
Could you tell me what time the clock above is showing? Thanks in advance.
9:44
